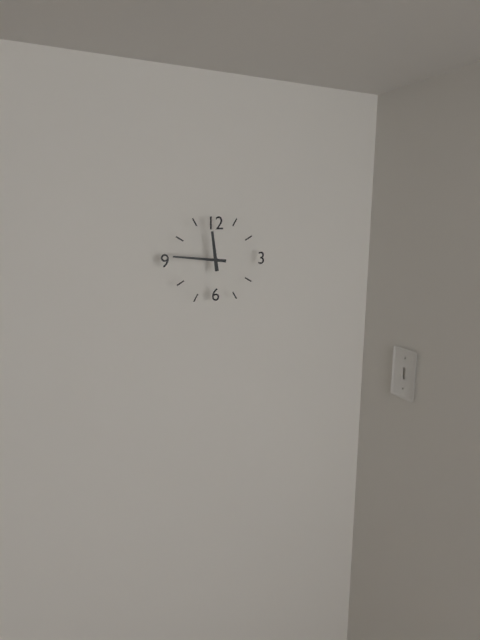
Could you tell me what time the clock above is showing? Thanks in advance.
11:46
